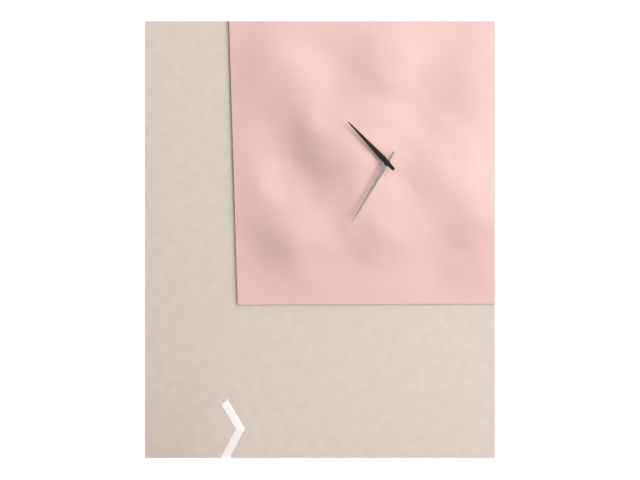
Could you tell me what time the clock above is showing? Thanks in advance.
10:35
